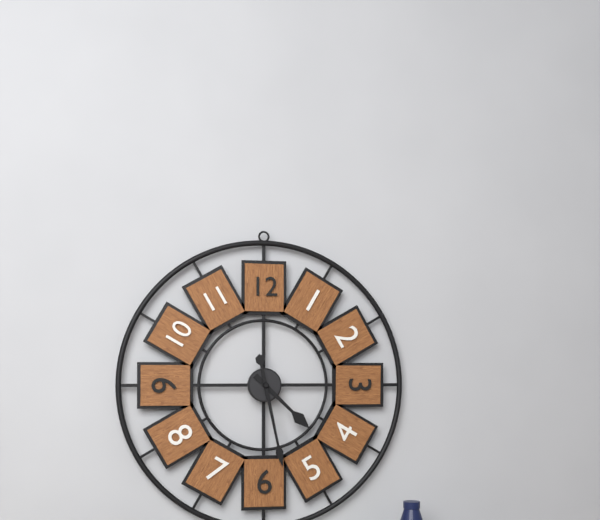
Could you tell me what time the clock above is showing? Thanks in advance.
4:28
